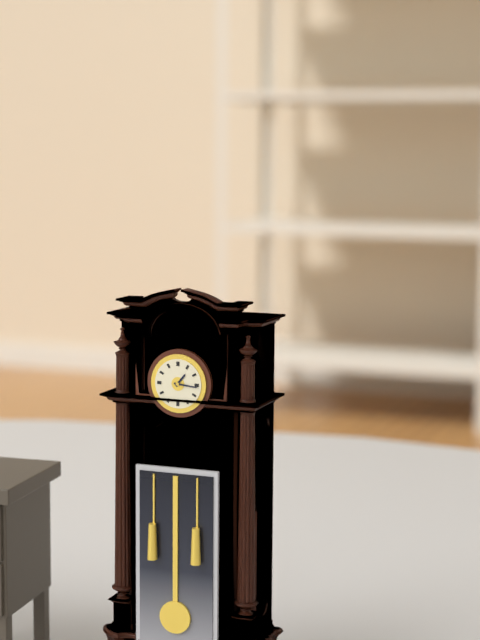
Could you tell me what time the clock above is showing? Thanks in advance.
1:16
